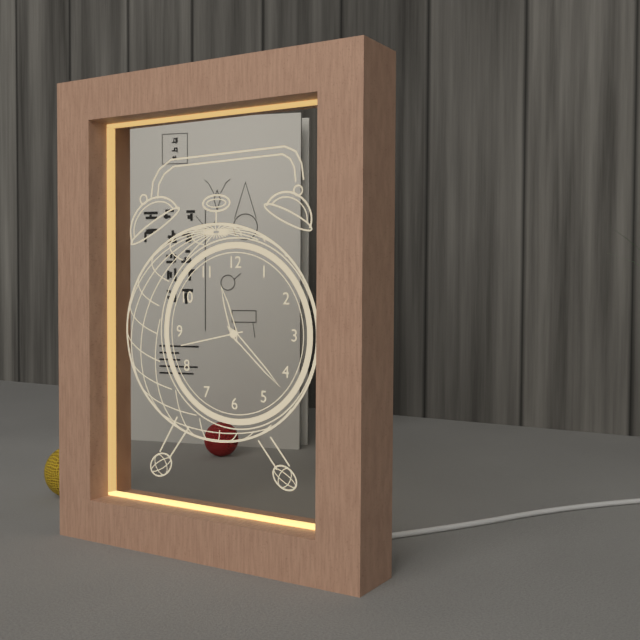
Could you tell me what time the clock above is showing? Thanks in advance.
11:22:43
